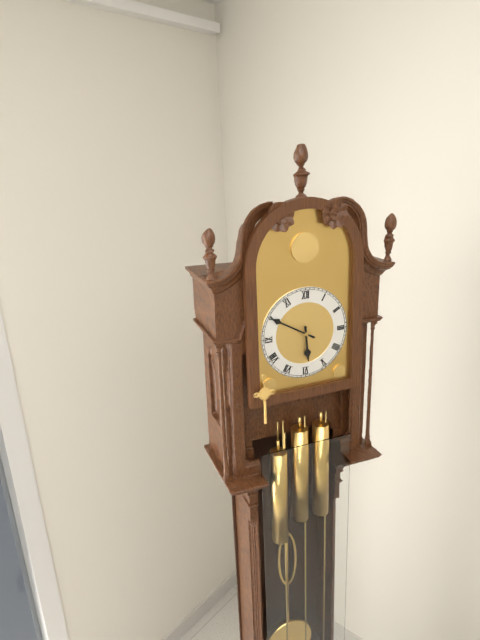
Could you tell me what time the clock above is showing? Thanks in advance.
5:50
